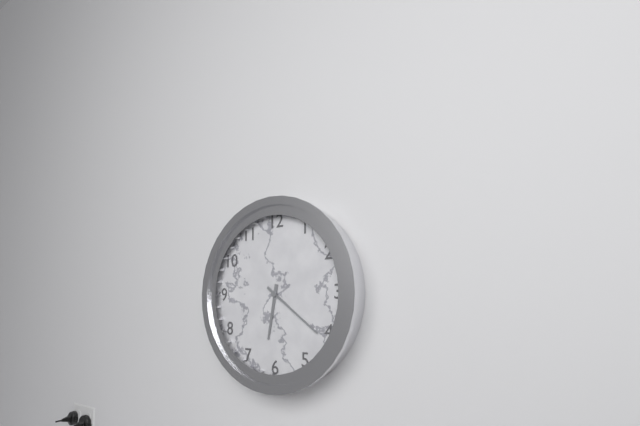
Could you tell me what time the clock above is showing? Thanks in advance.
6:21
